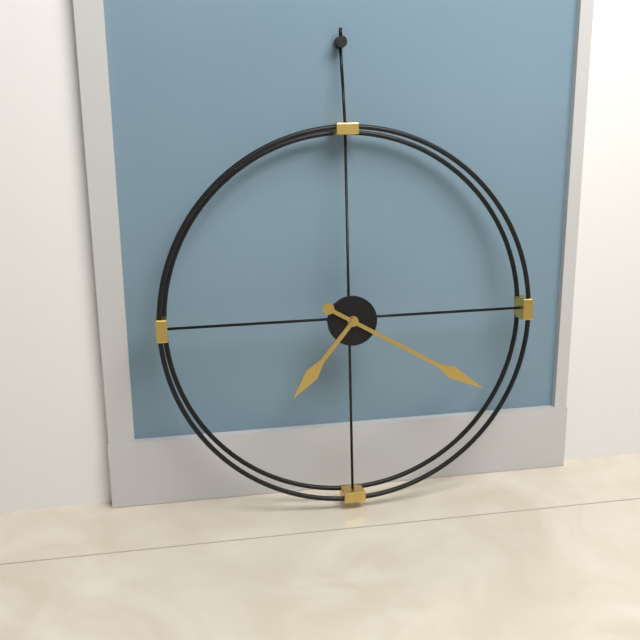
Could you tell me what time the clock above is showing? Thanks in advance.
7:20
